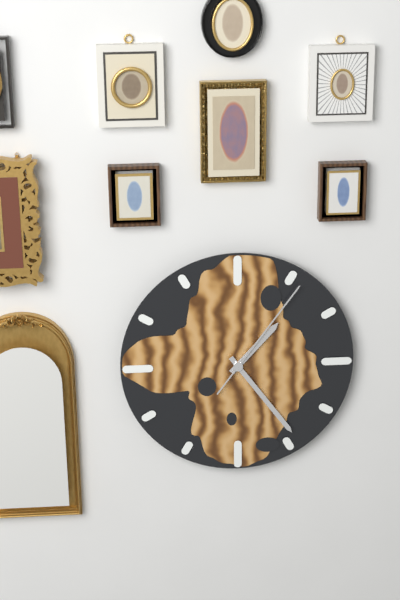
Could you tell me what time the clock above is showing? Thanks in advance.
1:24:06
